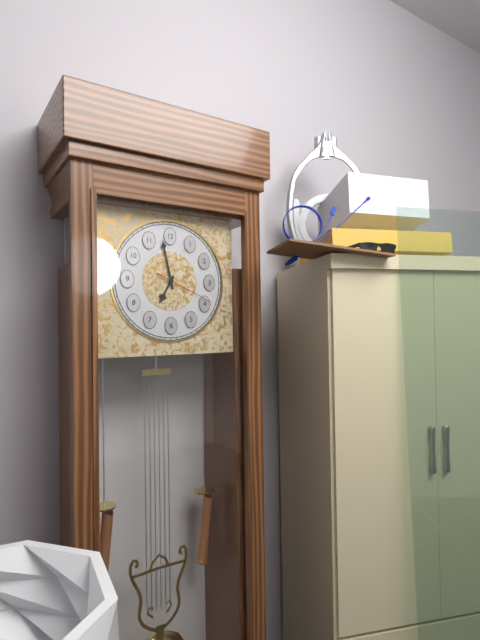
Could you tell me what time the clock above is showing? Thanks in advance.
6:58:19
